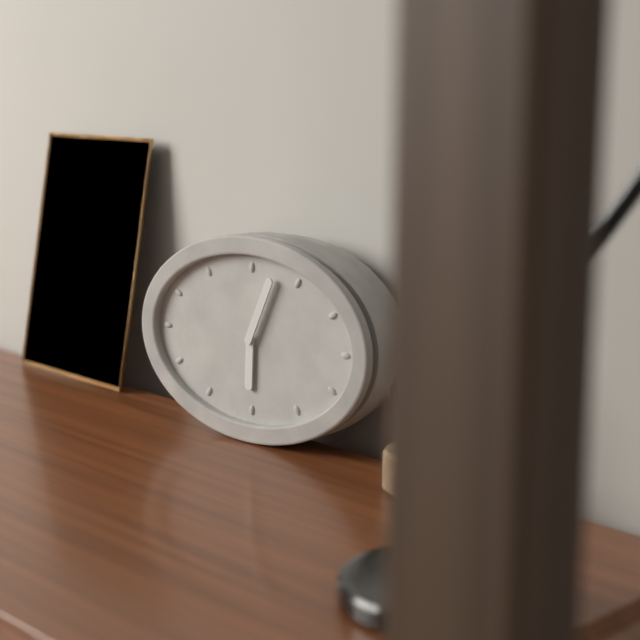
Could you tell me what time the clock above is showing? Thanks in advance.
6:04
